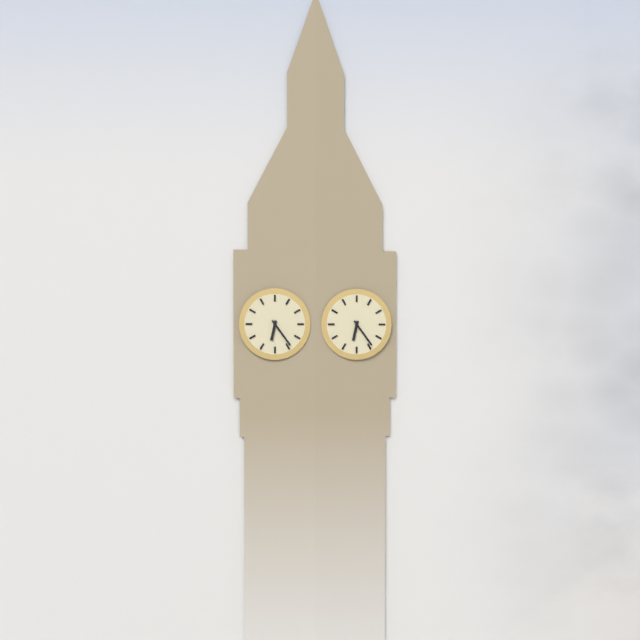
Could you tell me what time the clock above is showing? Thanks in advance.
6:24
